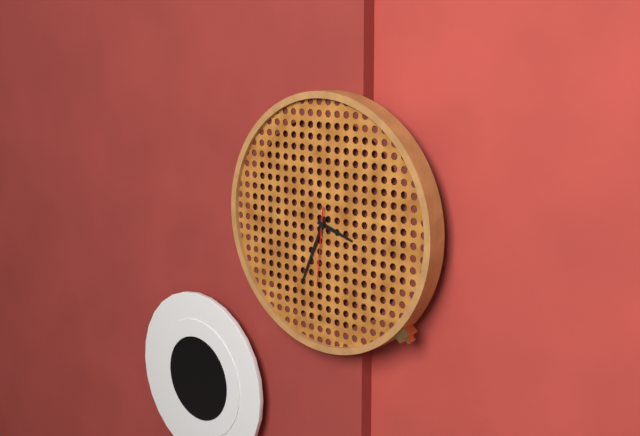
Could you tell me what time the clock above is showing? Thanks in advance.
3:34:31
